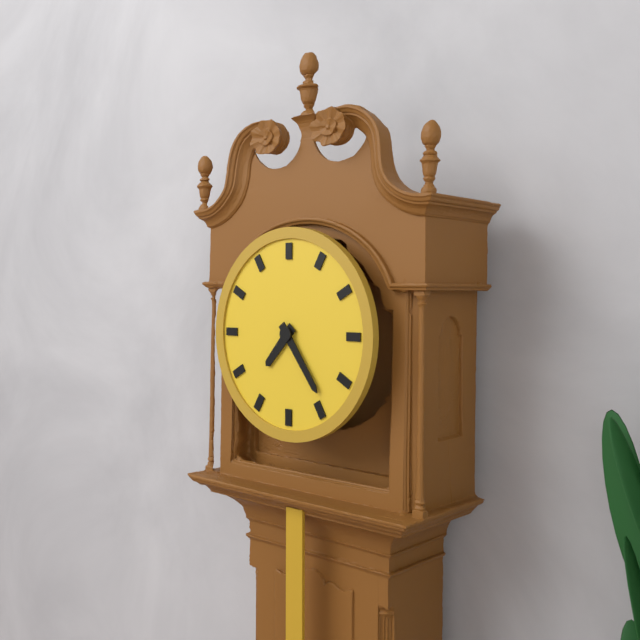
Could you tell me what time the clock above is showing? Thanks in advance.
7:24
